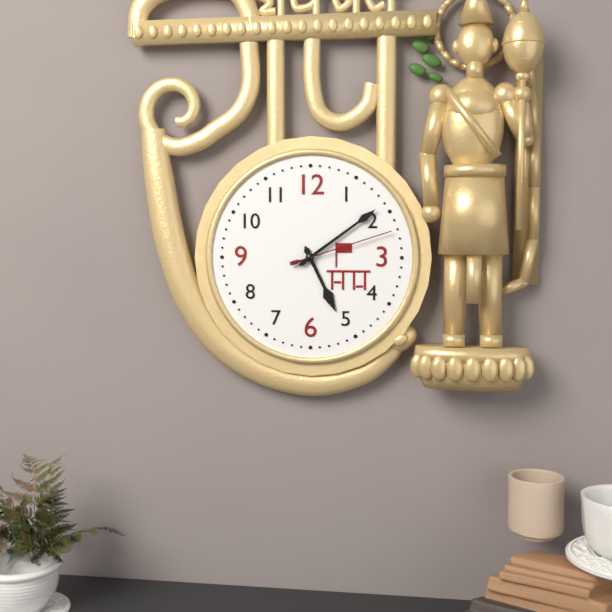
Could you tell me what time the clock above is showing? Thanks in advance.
5:09:12
